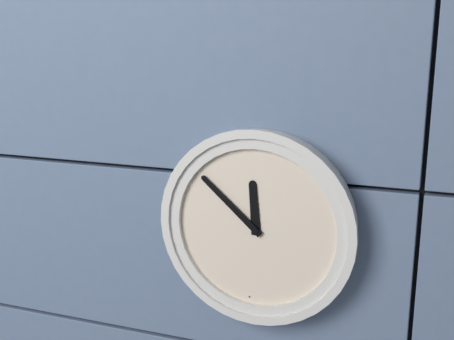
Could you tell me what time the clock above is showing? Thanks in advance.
11:52
